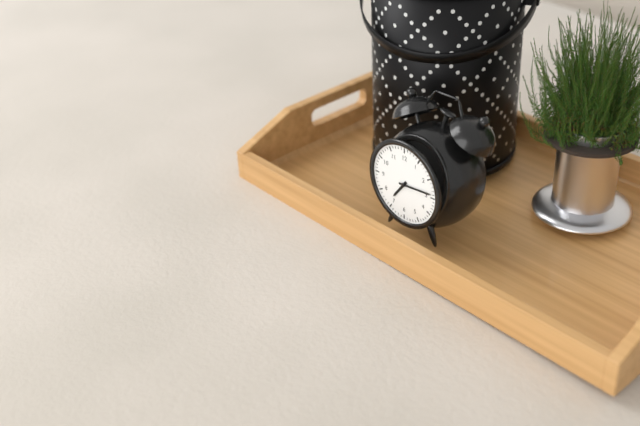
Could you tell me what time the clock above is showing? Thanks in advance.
7:14
